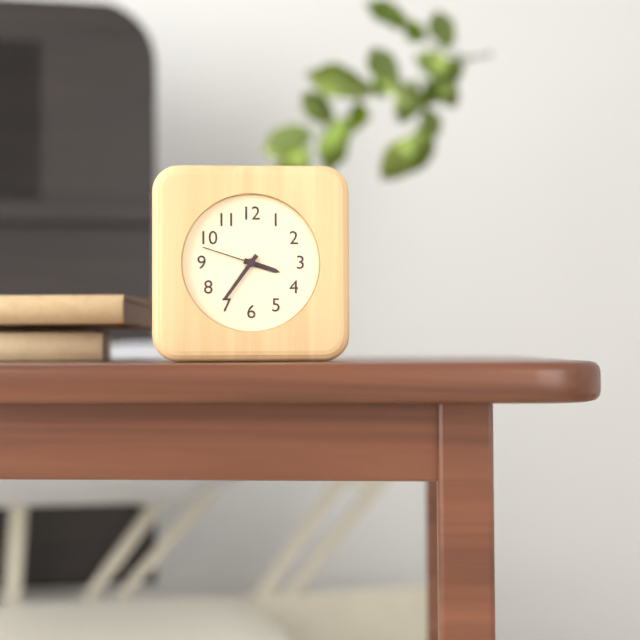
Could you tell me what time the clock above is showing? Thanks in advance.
3:36:48
